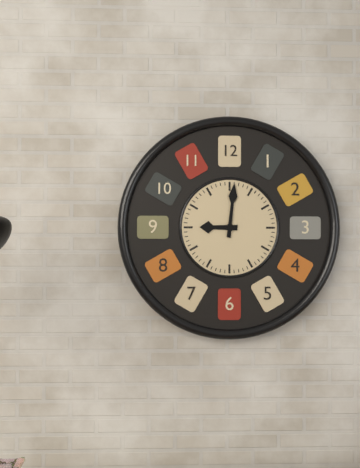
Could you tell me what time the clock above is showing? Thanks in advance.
9:01
